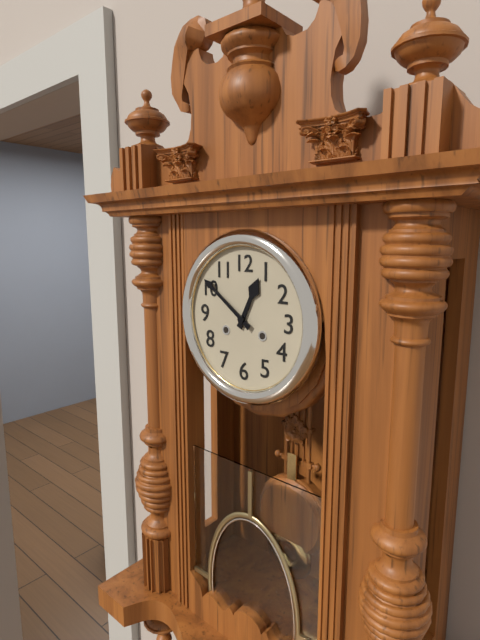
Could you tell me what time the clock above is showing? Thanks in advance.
12:51
